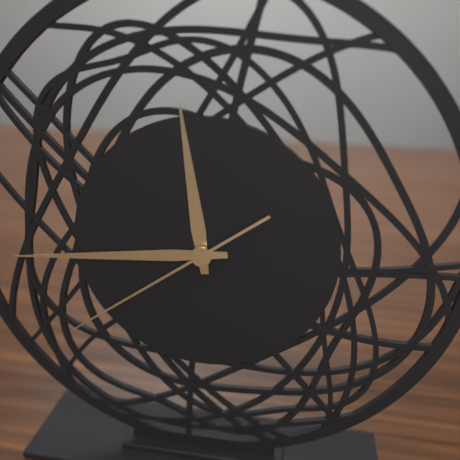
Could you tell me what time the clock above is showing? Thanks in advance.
11:44:39
